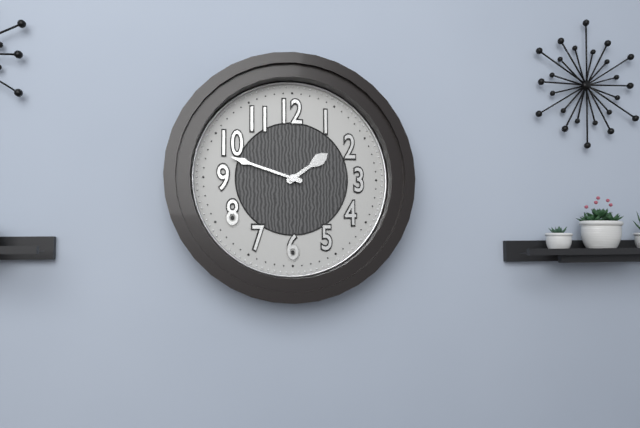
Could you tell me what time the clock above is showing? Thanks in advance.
1:48
